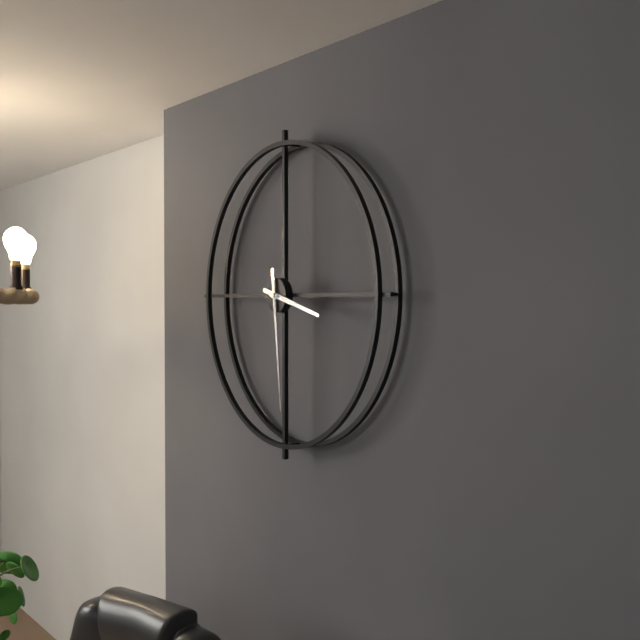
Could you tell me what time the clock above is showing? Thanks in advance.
3:29
